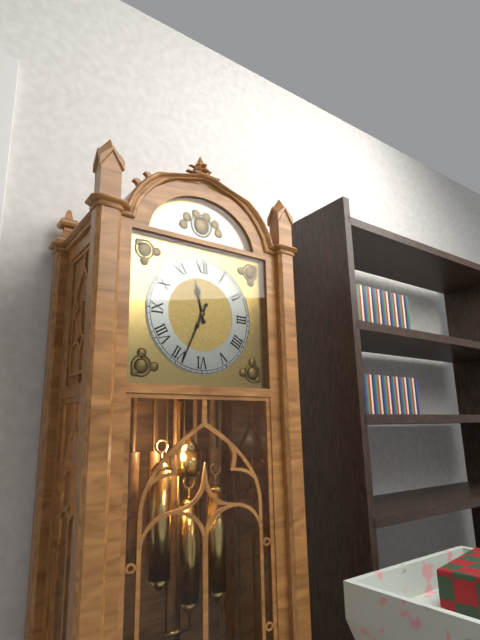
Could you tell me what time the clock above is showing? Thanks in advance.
11:34
